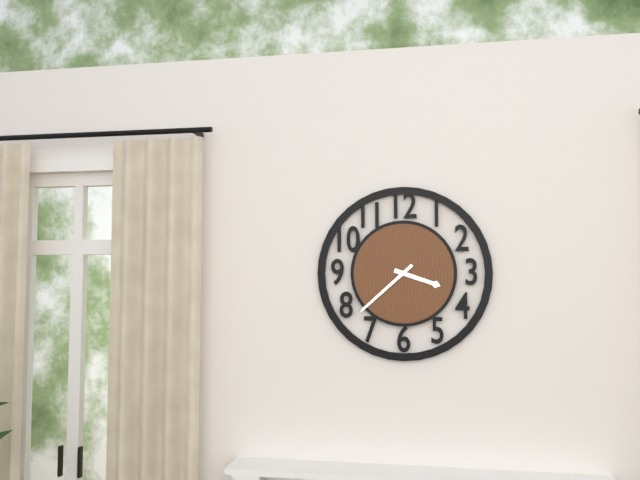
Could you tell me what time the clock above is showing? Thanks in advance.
3:38
